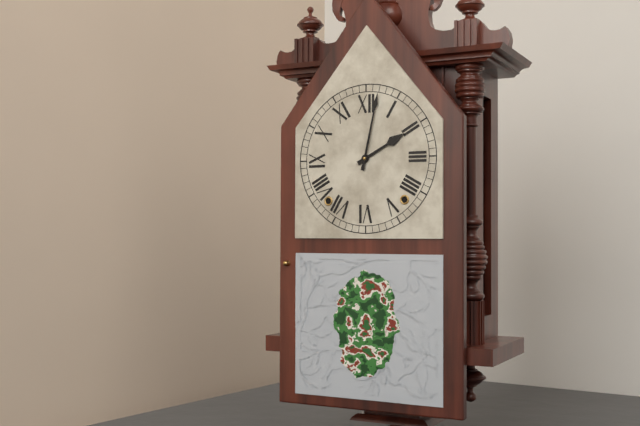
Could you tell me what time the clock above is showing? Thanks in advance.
2:02
